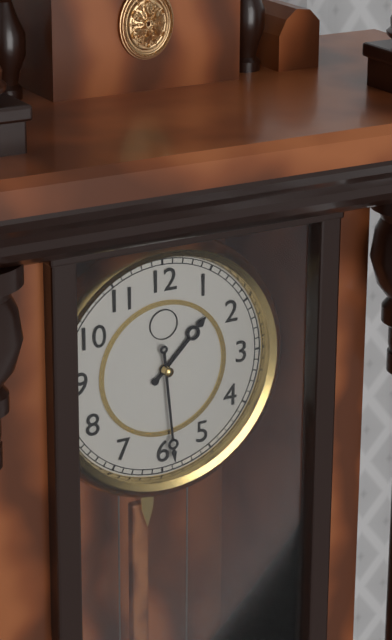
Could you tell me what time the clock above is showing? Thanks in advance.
1:29
